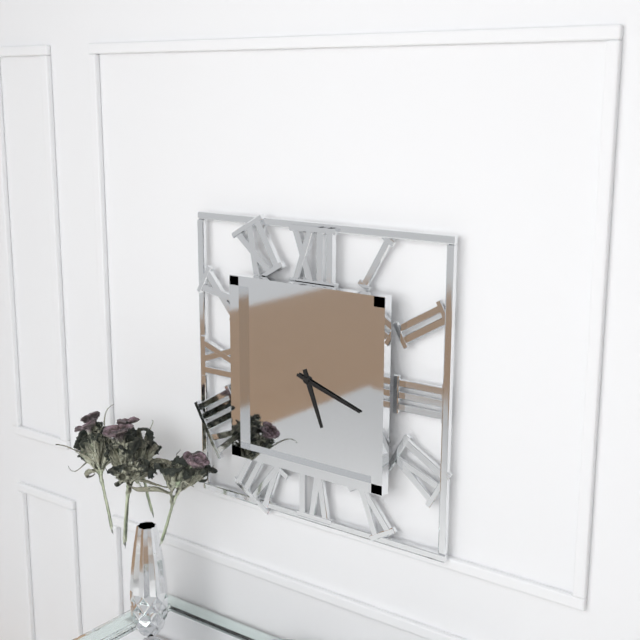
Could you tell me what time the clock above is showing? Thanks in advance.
5:18
